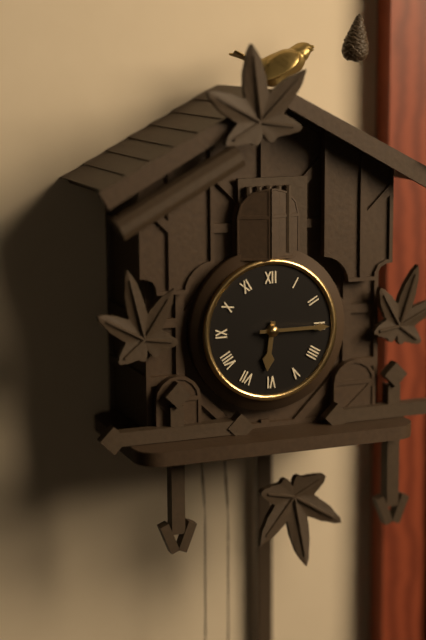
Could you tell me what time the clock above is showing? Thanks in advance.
6:15
